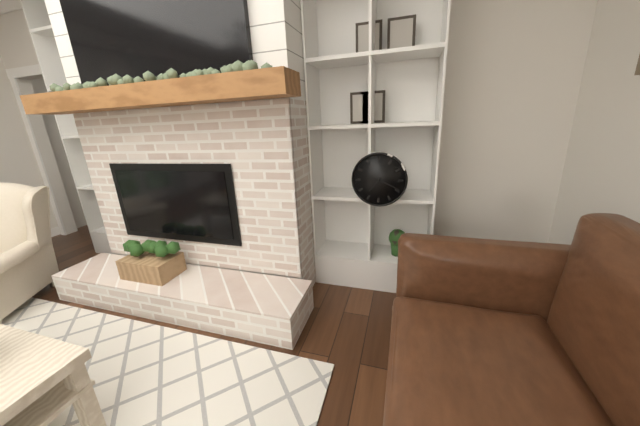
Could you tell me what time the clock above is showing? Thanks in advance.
7:19
